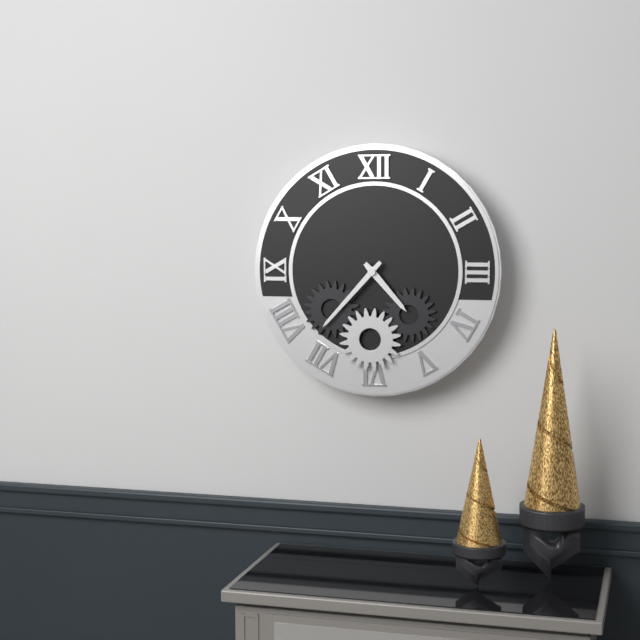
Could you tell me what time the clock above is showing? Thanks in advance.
4:37
